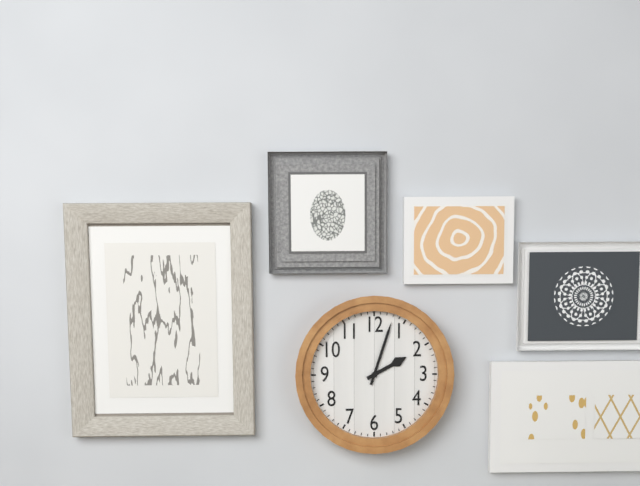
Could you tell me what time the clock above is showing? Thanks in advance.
2:03
